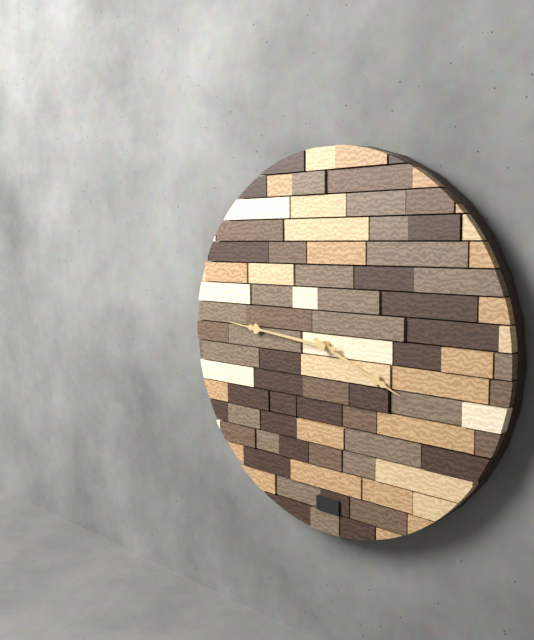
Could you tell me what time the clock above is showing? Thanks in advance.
3:46
